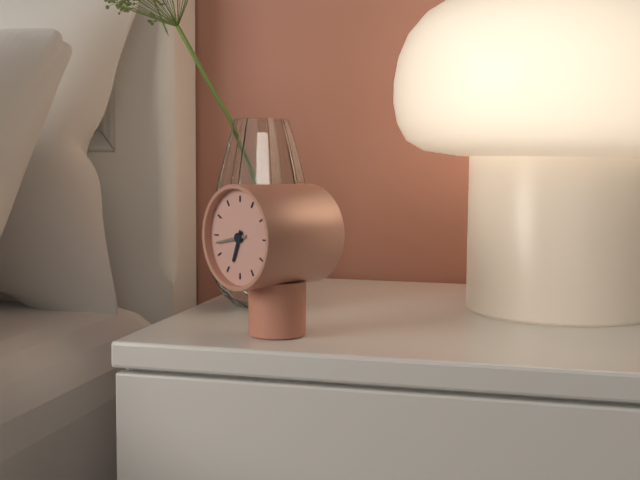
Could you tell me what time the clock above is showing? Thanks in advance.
6:43
